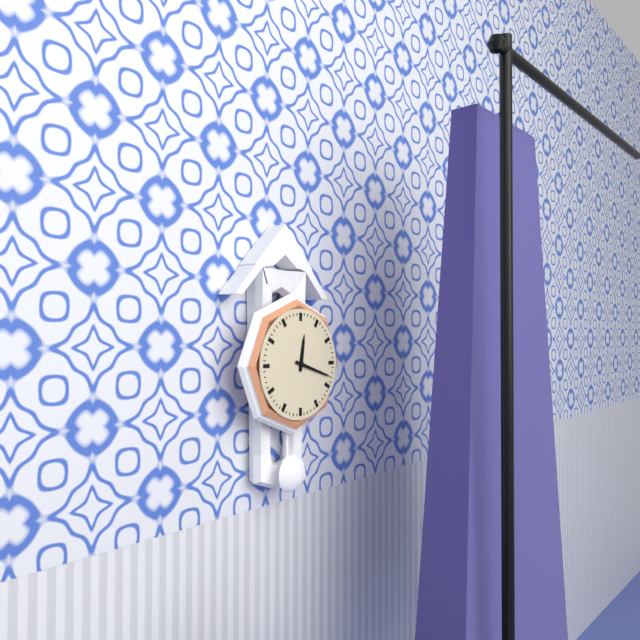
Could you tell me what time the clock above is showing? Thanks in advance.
12:18
